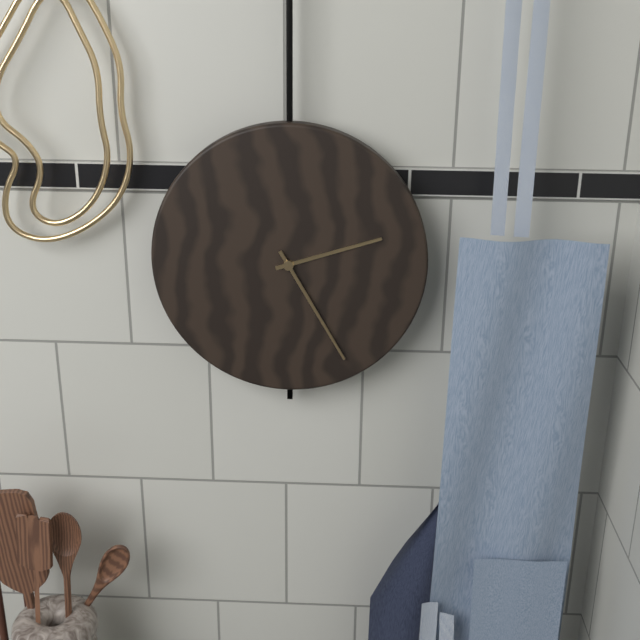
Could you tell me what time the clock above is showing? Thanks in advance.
2:25
